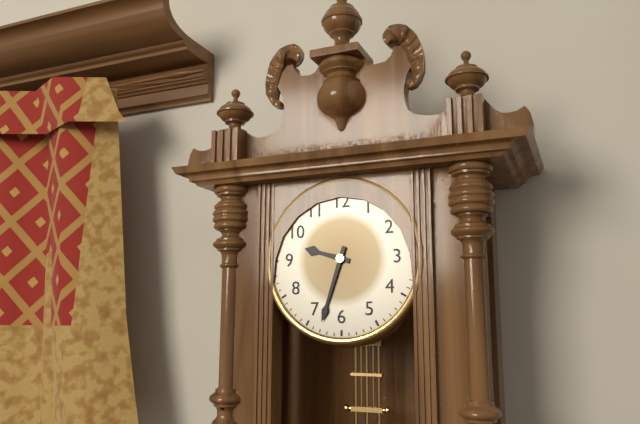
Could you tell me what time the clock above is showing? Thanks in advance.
9:33
